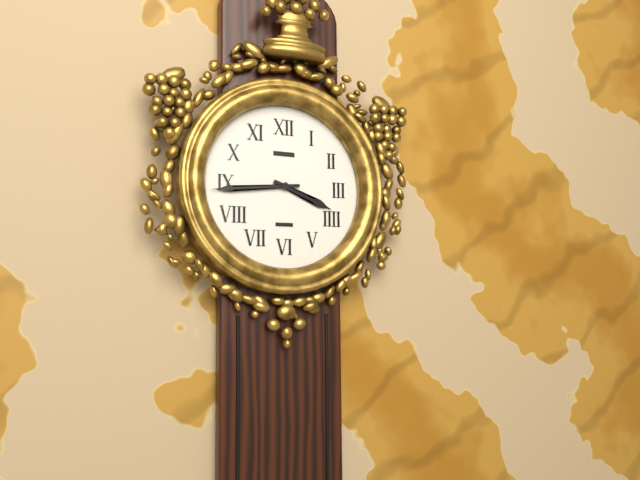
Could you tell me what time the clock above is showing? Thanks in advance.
3:44
